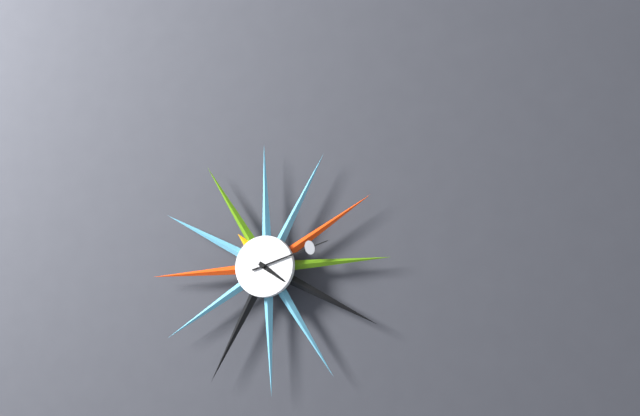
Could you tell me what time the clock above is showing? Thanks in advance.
4:12
